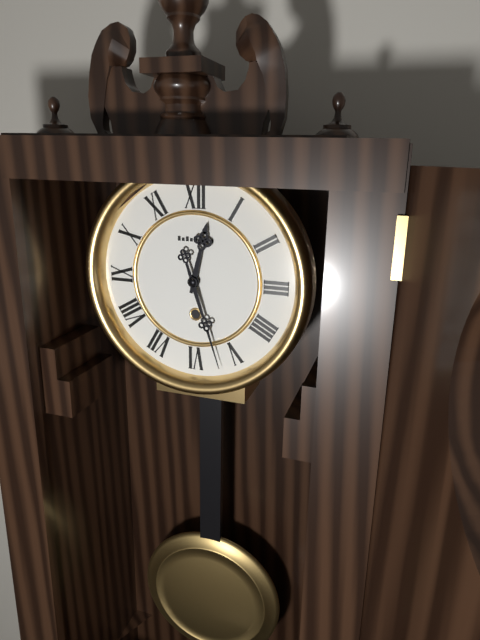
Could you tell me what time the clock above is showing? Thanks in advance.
12:27
